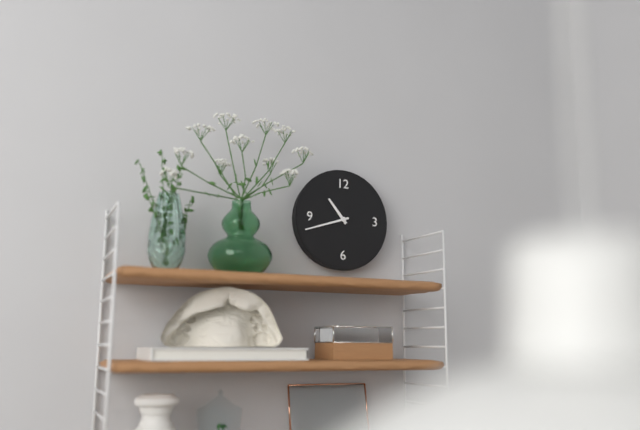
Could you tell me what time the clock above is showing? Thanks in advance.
10:42
